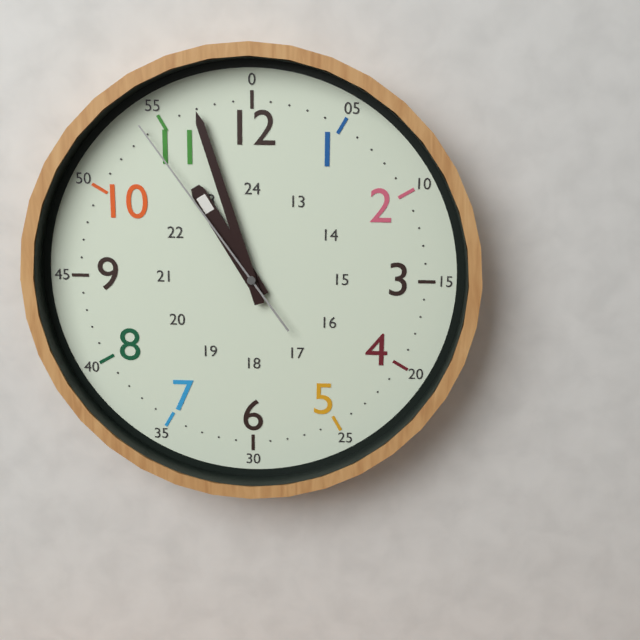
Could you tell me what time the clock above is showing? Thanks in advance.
10:57:54
